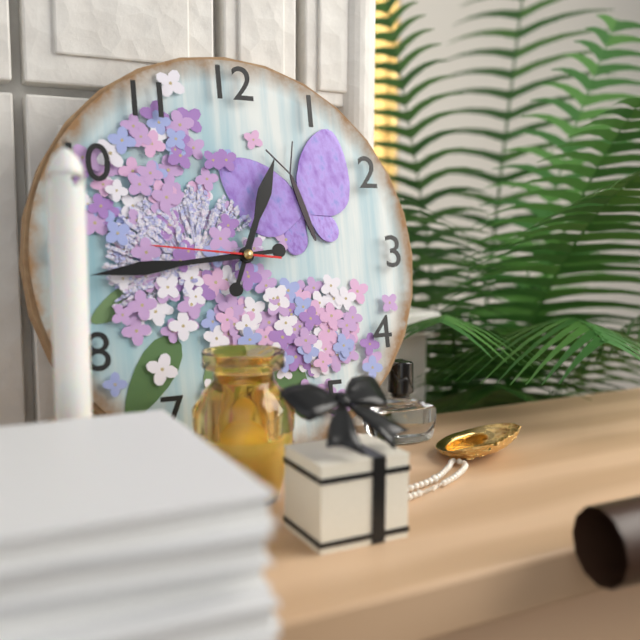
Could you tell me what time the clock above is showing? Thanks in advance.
12:44:46
